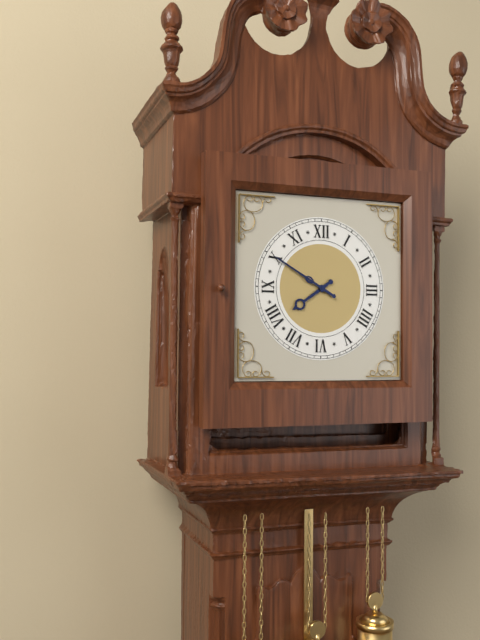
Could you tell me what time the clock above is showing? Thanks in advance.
7:50
